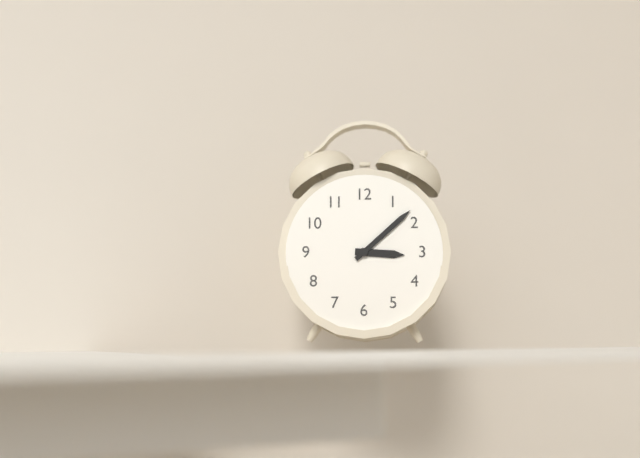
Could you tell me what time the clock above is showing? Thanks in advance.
3:08
